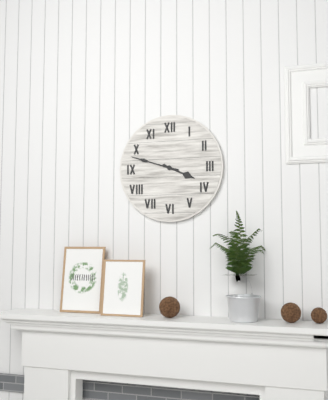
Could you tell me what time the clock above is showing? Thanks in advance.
3:48
